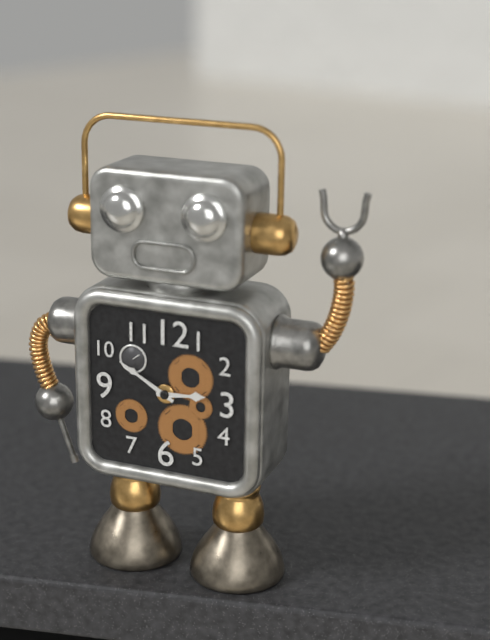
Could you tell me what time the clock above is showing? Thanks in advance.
2:50
